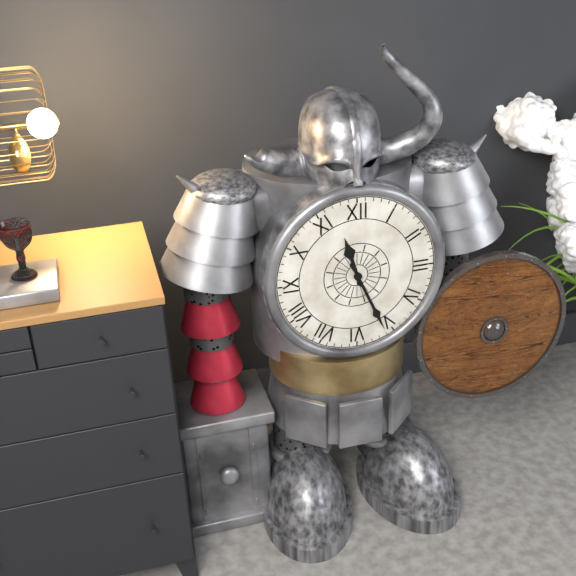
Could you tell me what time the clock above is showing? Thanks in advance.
11:26
